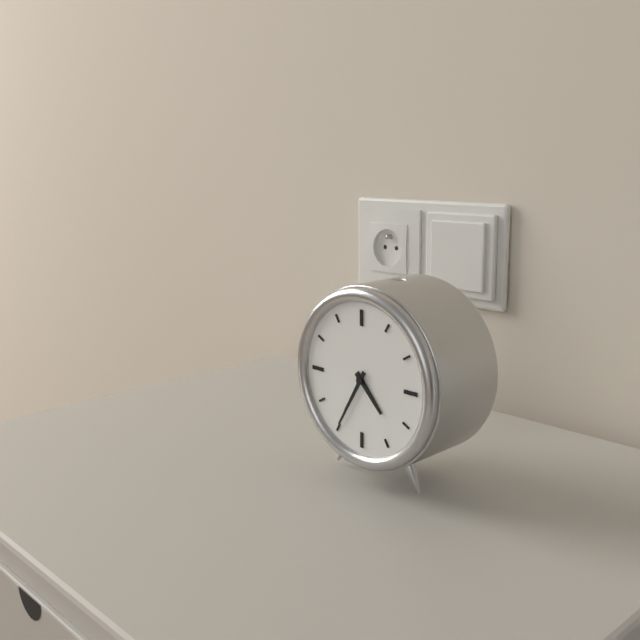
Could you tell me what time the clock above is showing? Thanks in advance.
4:35
